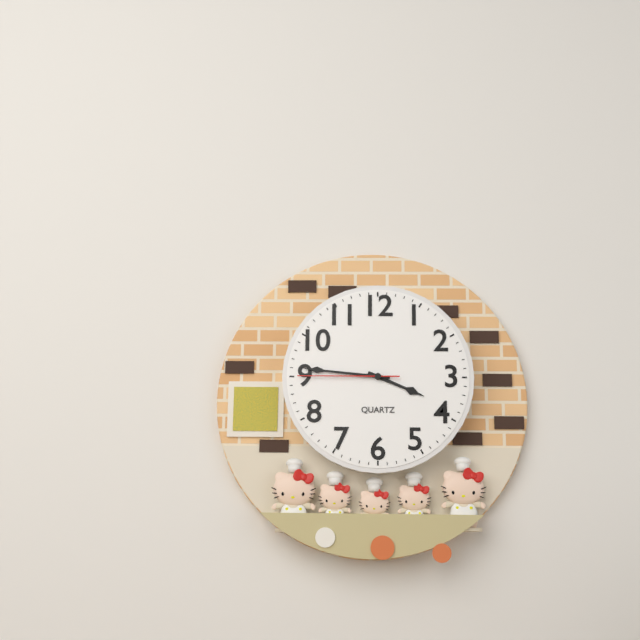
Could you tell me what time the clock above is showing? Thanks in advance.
3:46:45
